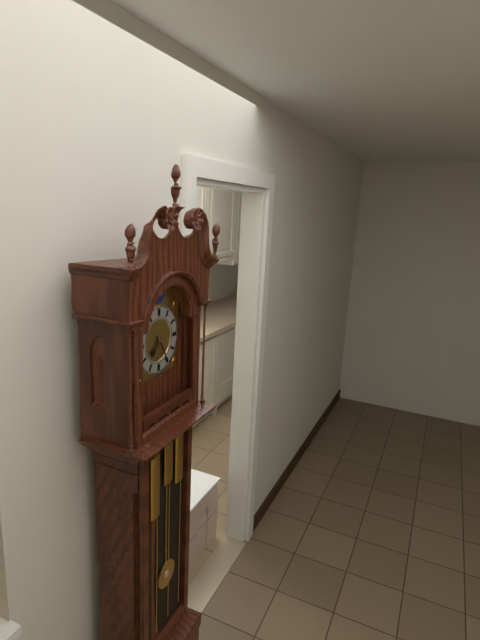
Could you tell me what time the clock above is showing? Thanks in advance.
7:25
